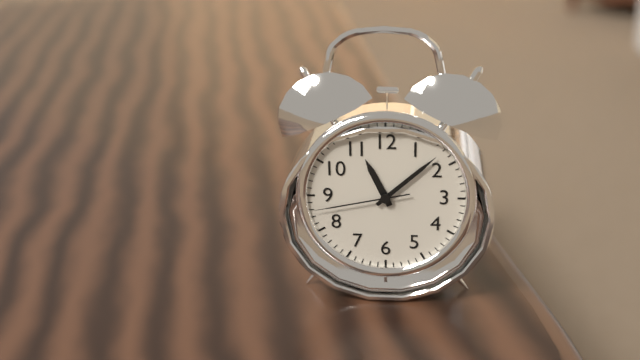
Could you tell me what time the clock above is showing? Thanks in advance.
11:08:43
